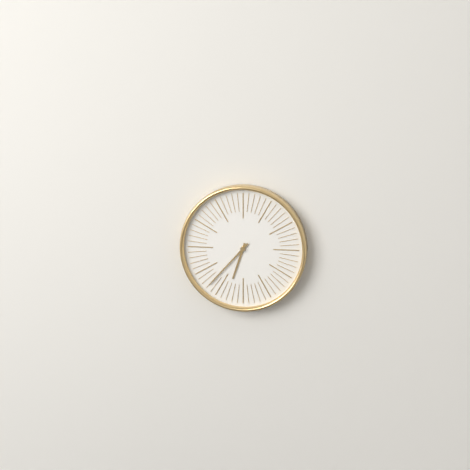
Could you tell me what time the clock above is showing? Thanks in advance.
6:37
